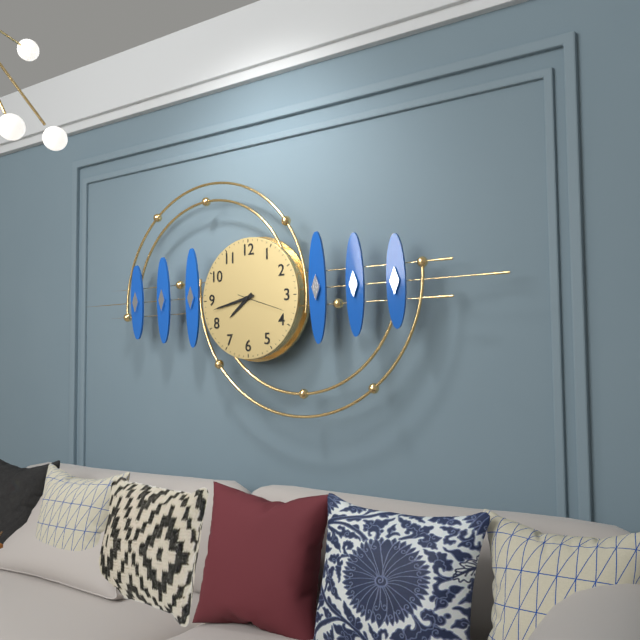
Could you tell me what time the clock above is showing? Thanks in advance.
7:43
